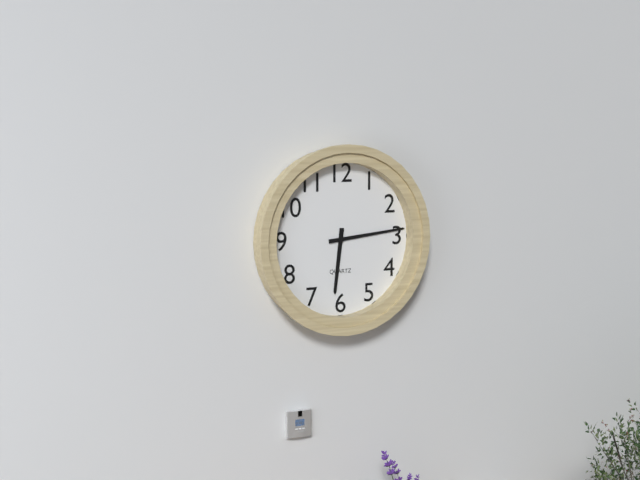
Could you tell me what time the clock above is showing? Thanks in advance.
6:14
